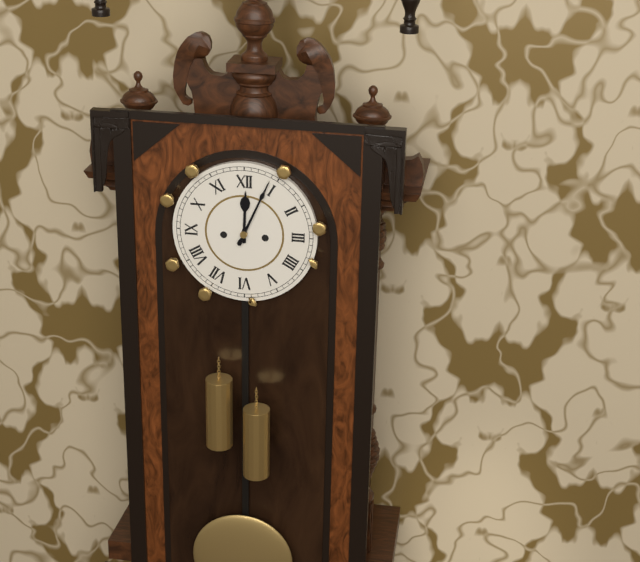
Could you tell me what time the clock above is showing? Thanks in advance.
12:04
